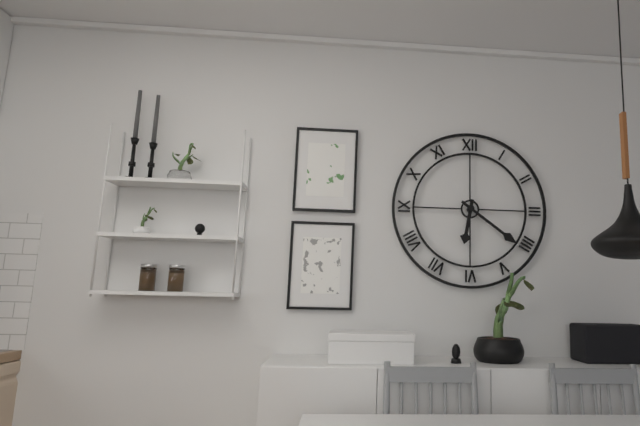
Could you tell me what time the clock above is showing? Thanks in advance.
6:21
